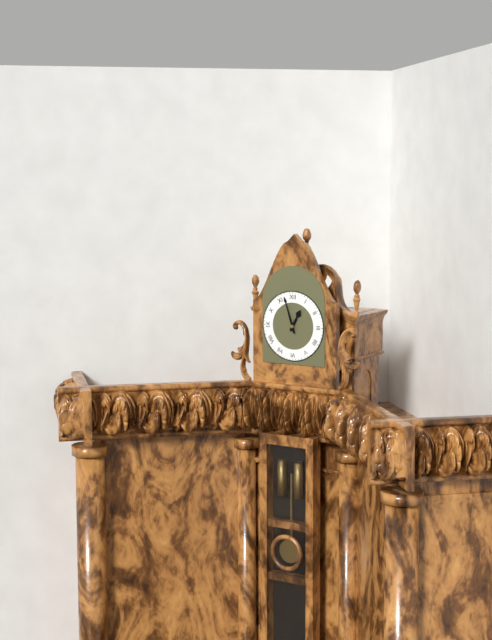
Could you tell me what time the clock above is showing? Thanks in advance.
12:57
